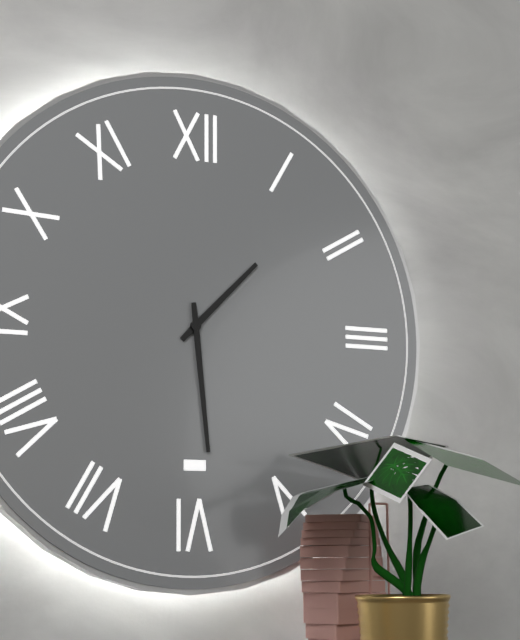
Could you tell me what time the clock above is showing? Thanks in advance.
1:29
